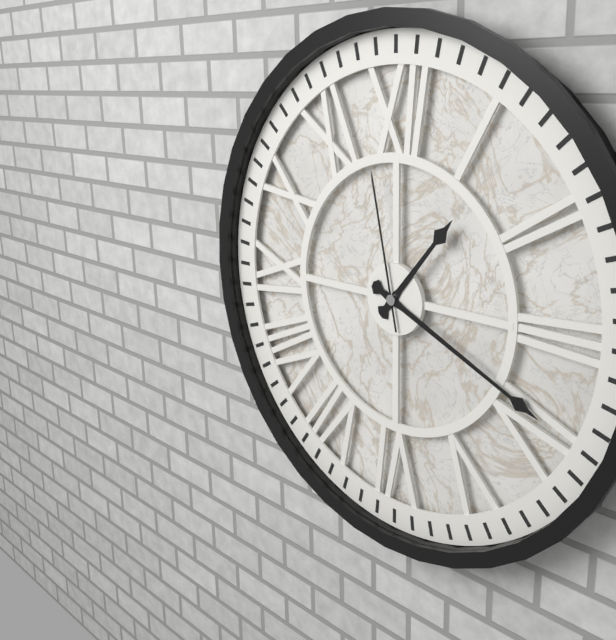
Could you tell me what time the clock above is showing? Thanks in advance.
1:19:58
